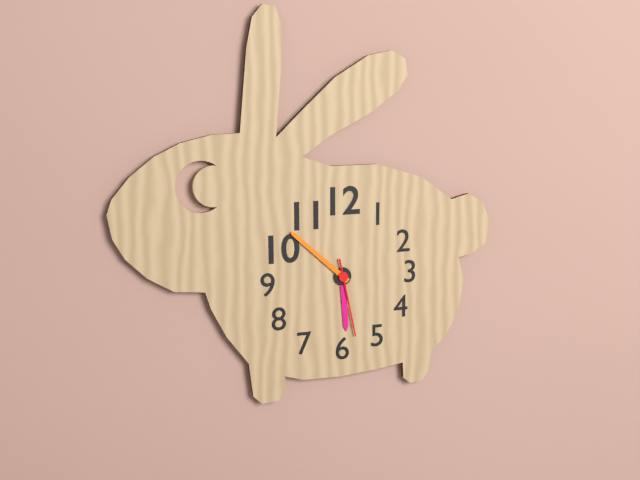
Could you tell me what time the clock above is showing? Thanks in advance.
5:52:28
